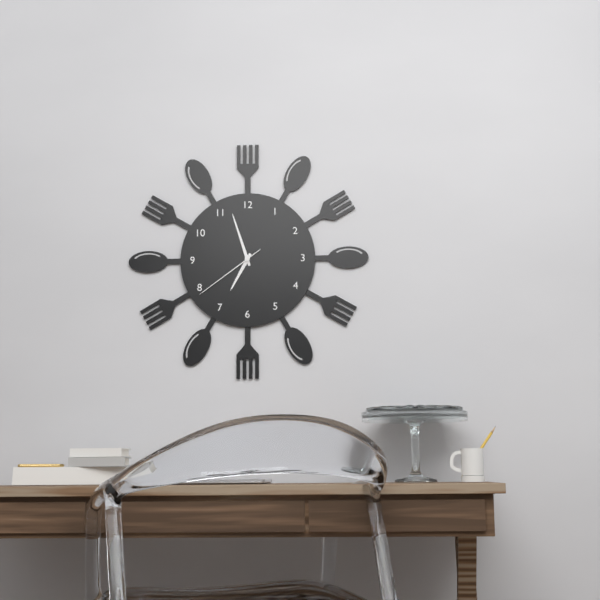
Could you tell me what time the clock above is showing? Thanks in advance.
6:57:39
